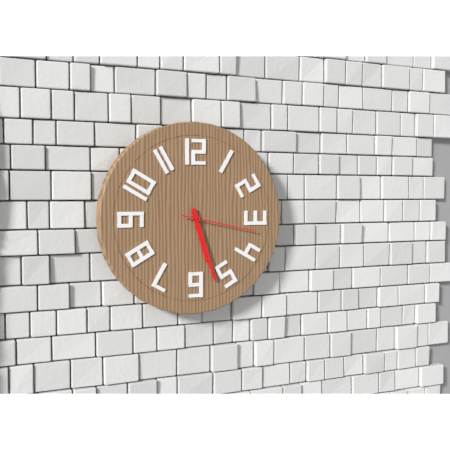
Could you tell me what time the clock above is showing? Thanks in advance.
5:27:17
